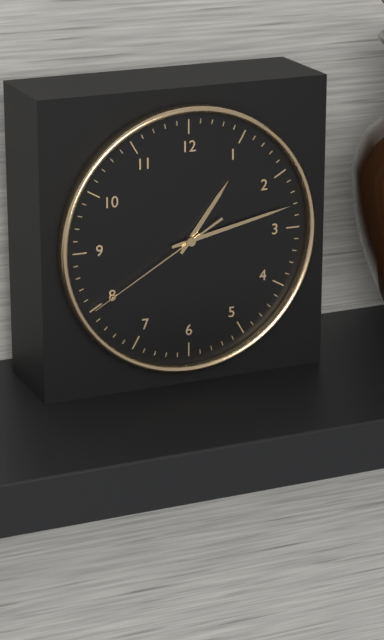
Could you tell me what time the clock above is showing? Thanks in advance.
1:13:40
